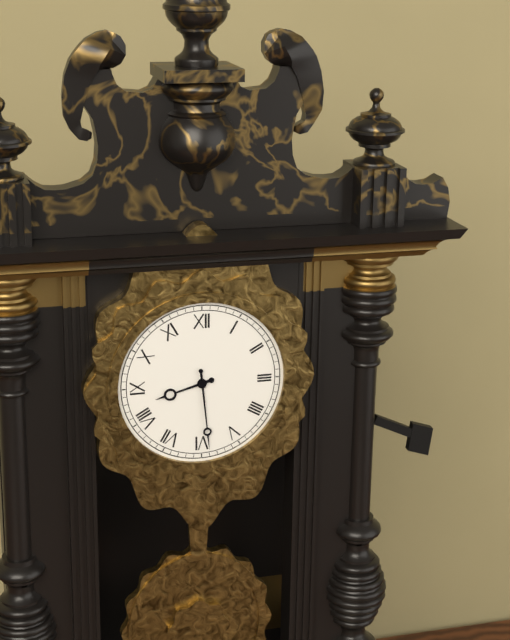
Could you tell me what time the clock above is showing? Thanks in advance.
8:29
